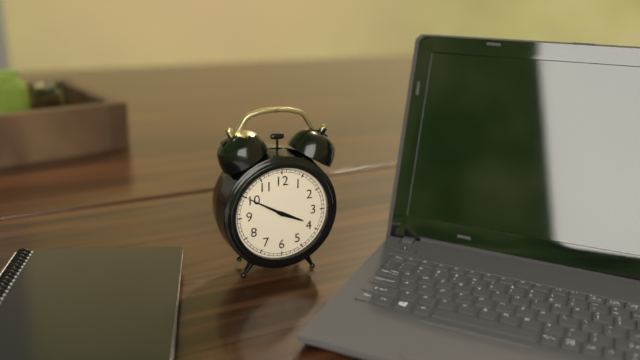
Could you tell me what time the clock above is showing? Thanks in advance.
3:50
